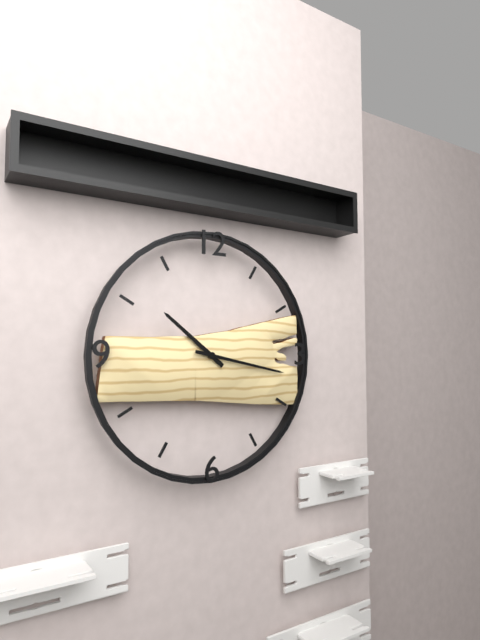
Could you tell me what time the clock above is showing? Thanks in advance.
10:17
